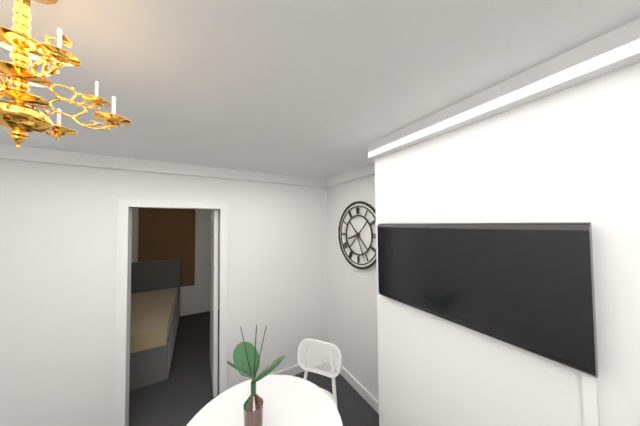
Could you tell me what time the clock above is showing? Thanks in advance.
8:26
